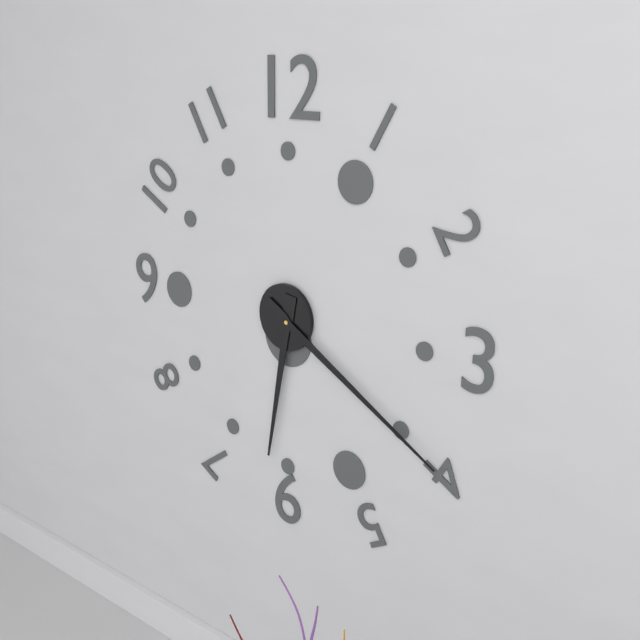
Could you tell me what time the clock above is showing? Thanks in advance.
6:20
